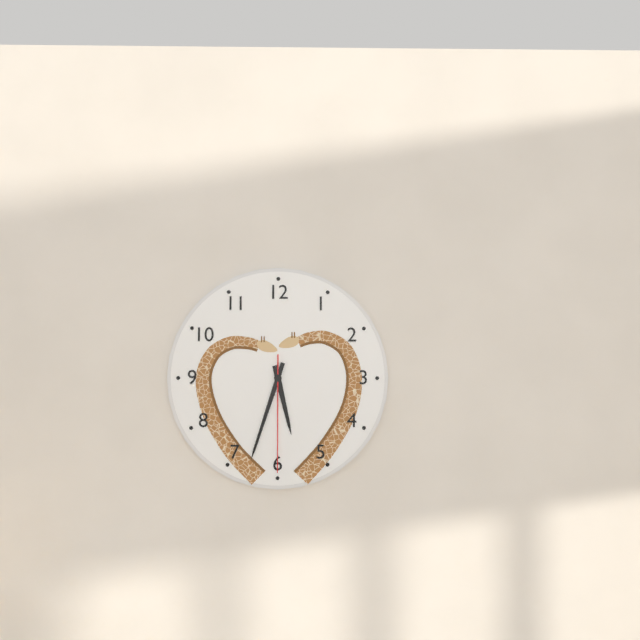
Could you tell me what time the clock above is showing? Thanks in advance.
5:33:30
